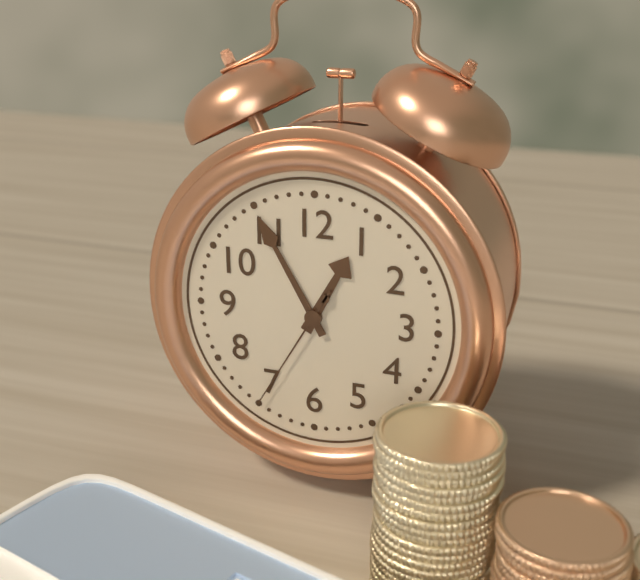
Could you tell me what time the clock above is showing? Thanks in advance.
12:55:35
